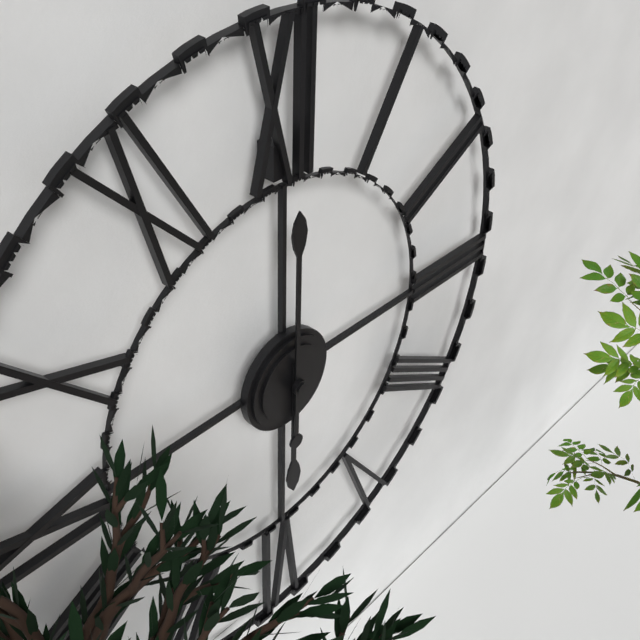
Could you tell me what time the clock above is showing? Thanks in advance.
6:00
